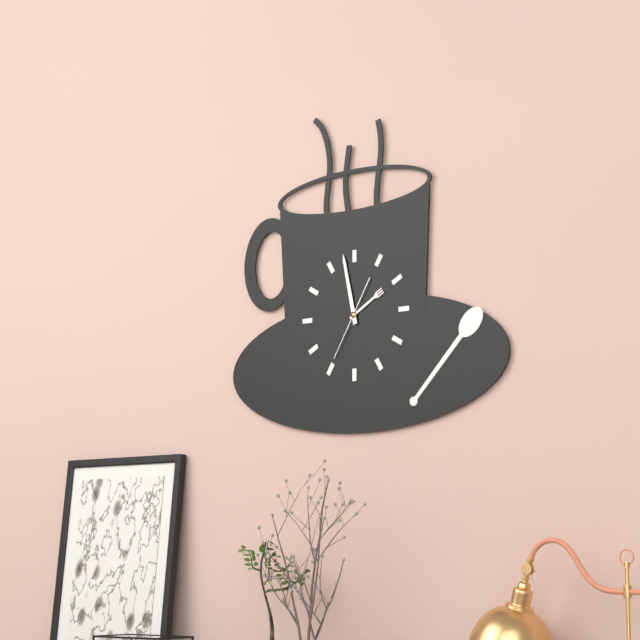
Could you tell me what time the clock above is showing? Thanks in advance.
1:58:35
